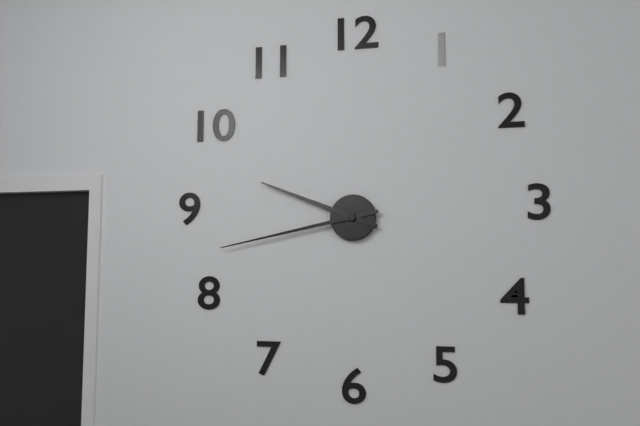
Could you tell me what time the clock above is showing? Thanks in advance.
9:43
